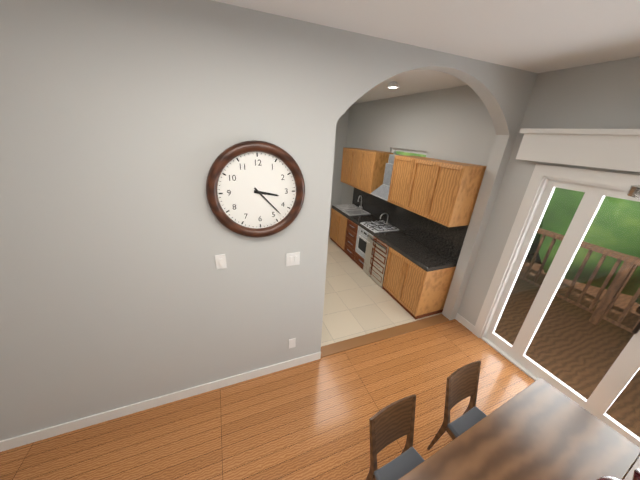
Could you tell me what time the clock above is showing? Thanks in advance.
3:23
